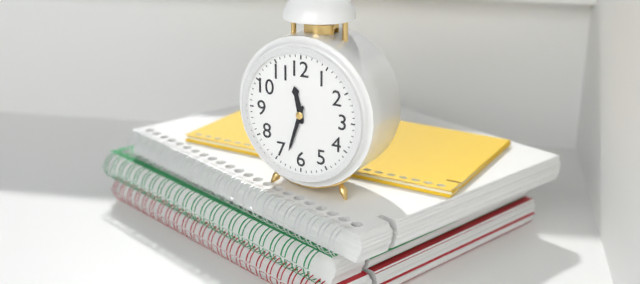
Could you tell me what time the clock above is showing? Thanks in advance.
11:33
